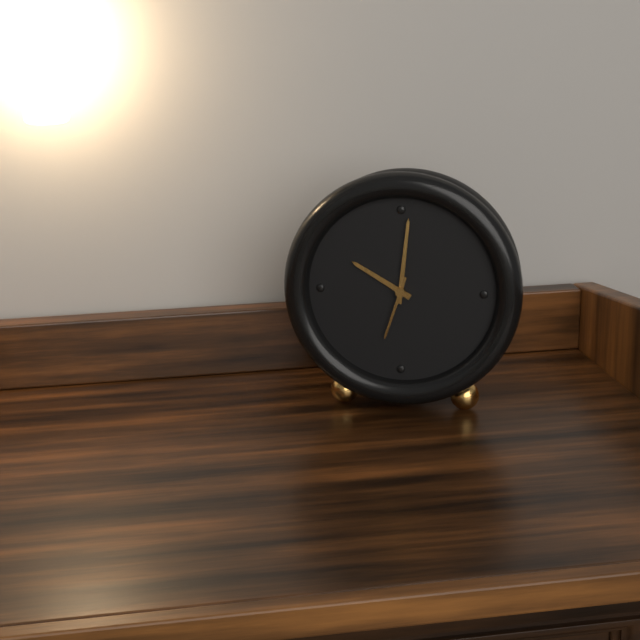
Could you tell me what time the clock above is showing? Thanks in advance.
10:01:33
